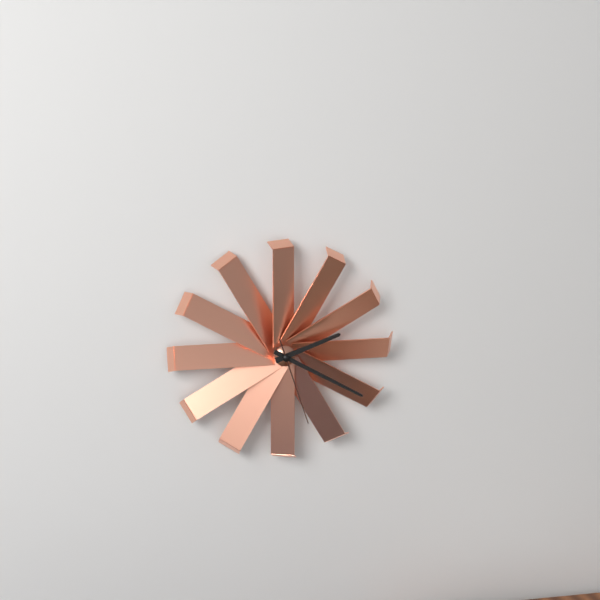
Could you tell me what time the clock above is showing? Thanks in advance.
2:20:27
